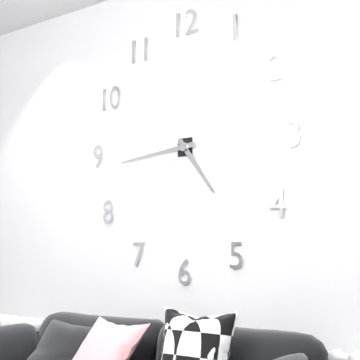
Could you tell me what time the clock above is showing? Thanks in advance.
4:44
